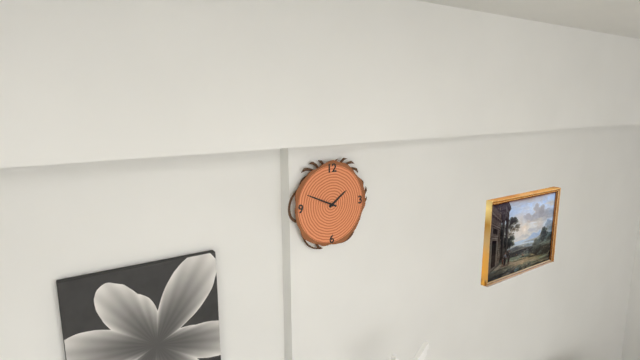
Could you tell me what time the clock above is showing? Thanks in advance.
1:49
